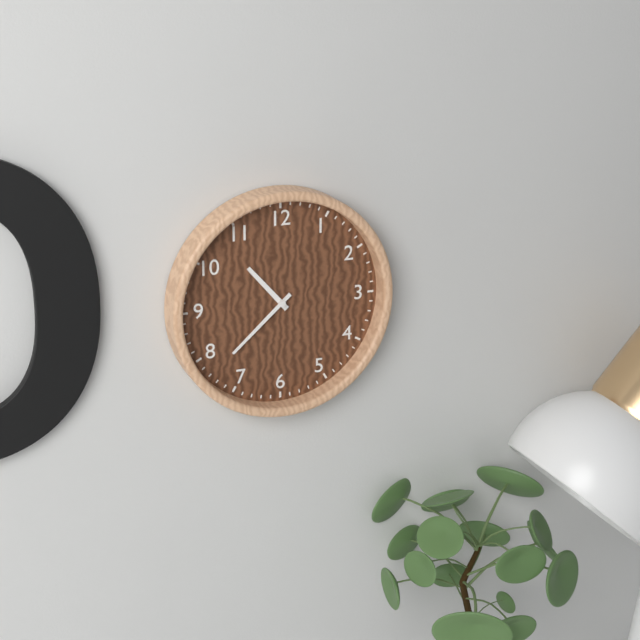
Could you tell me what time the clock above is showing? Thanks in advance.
10:38
